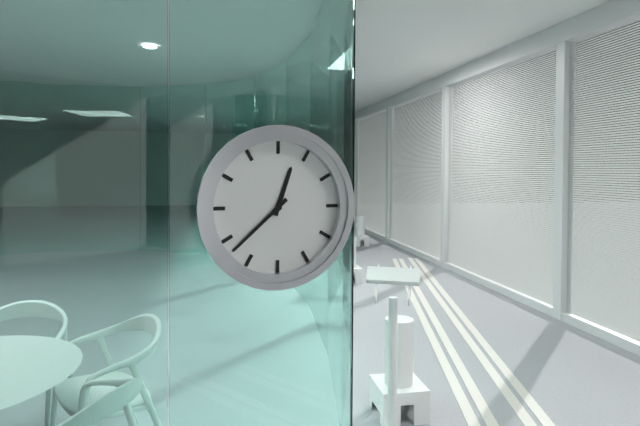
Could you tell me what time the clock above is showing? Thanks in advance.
12:38
